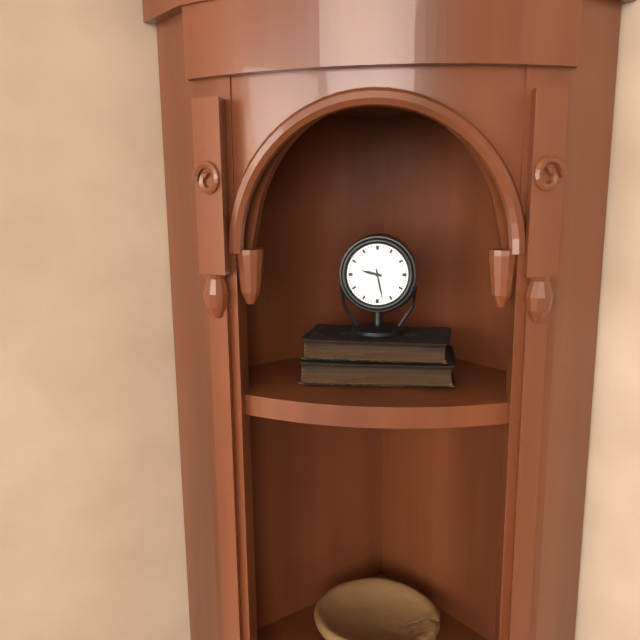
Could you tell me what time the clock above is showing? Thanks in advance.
9:28
